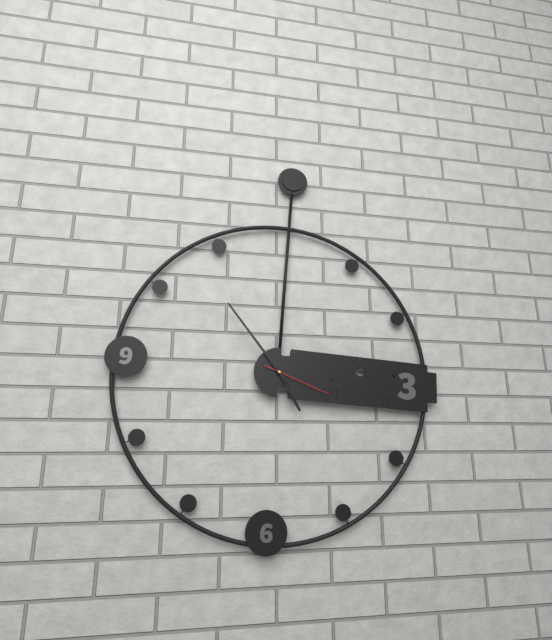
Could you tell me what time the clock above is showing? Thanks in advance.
4:53:18
